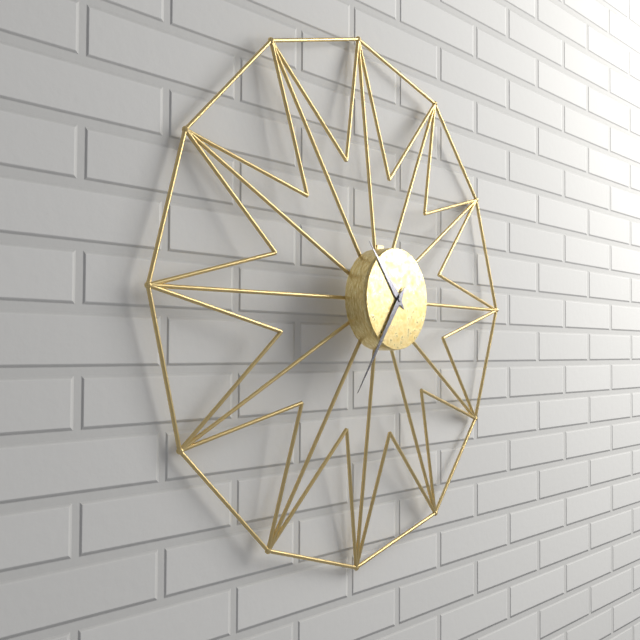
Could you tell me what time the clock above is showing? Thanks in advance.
10:36
